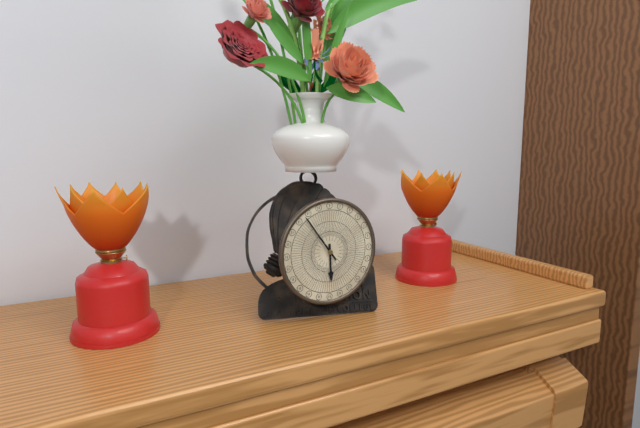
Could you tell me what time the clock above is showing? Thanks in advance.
5:54
